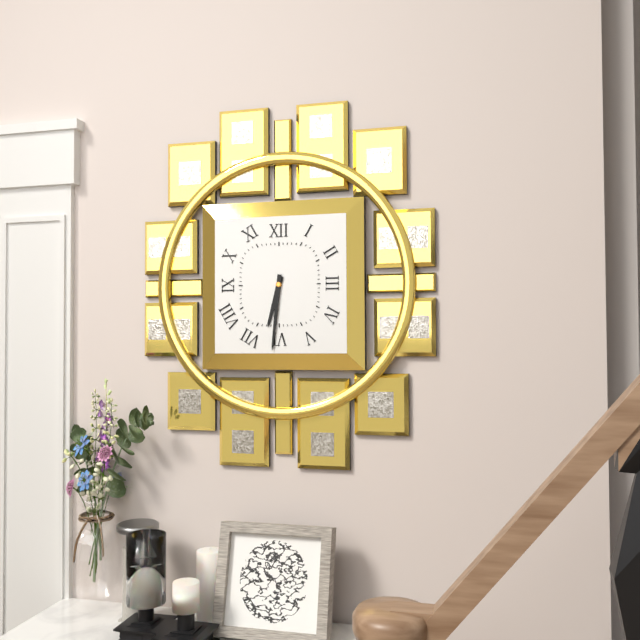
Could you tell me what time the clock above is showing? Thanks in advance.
6:31
